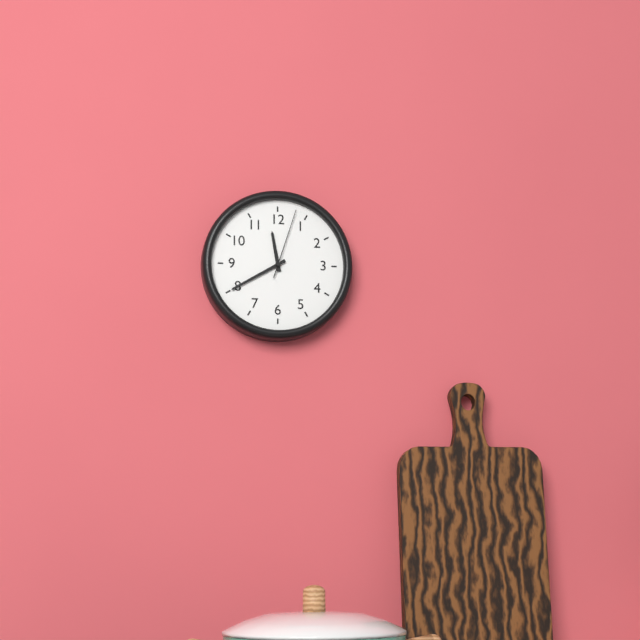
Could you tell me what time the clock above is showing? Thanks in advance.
11:40:03
